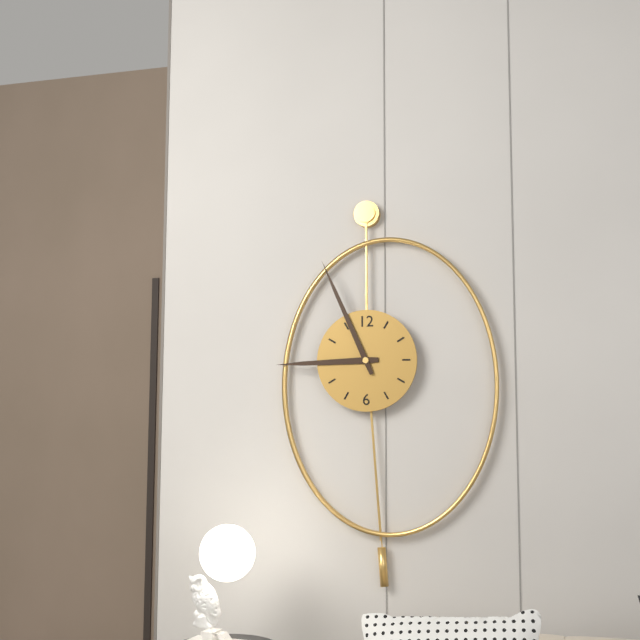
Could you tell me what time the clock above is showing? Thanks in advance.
8:56
